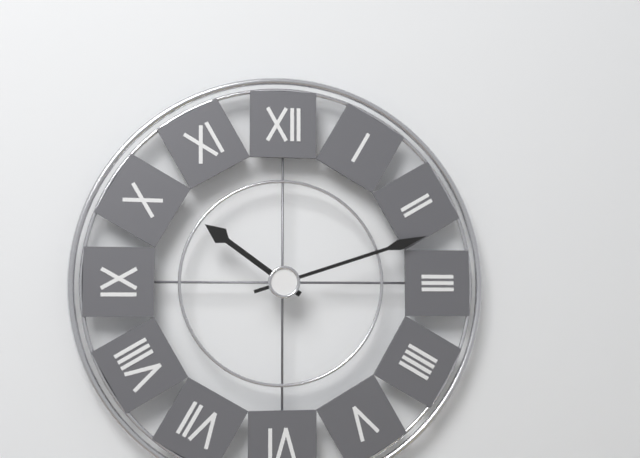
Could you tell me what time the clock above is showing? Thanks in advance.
10:12
